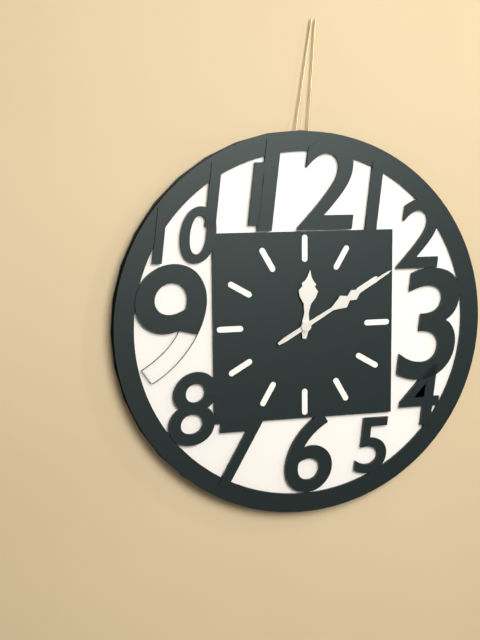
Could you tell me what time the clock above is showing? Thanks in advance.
12:10
